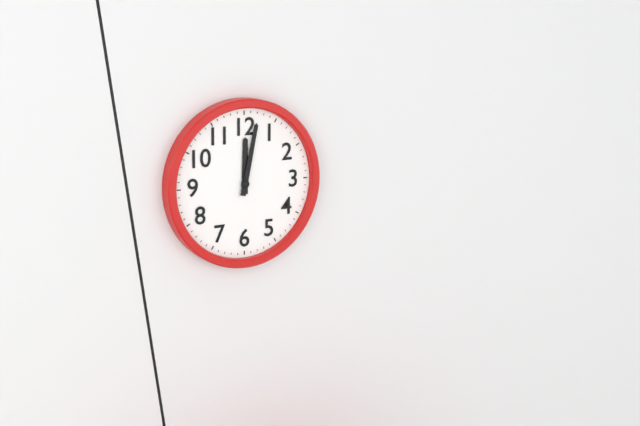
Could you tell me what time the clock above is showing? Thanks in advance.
12:02
